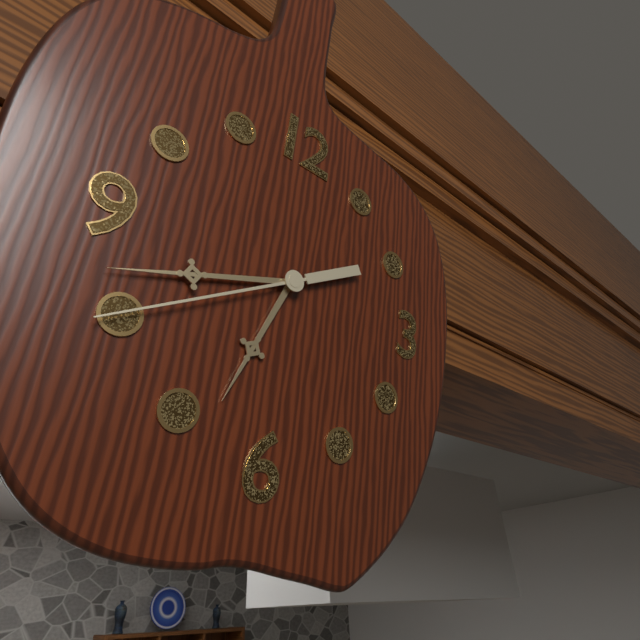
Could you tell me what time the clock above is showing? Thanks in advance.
6:42:40
